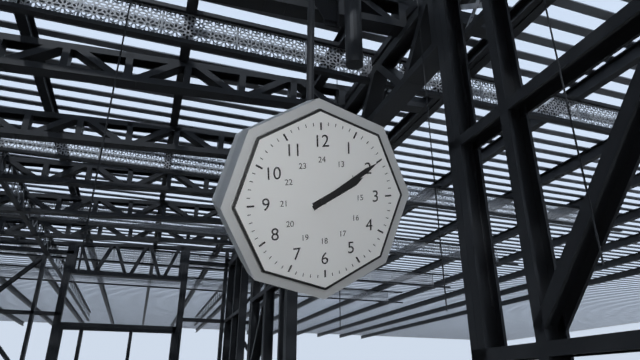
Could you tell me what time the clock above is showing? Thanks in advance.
2:10
